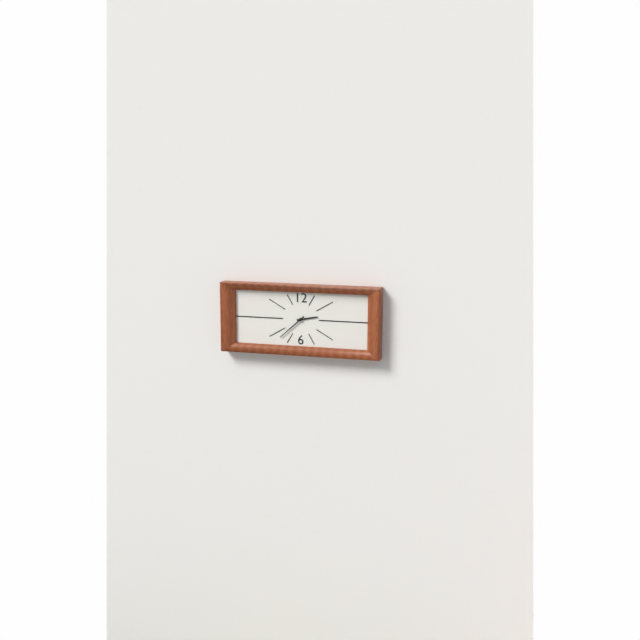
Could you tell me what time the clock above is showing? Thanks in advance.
2:38
